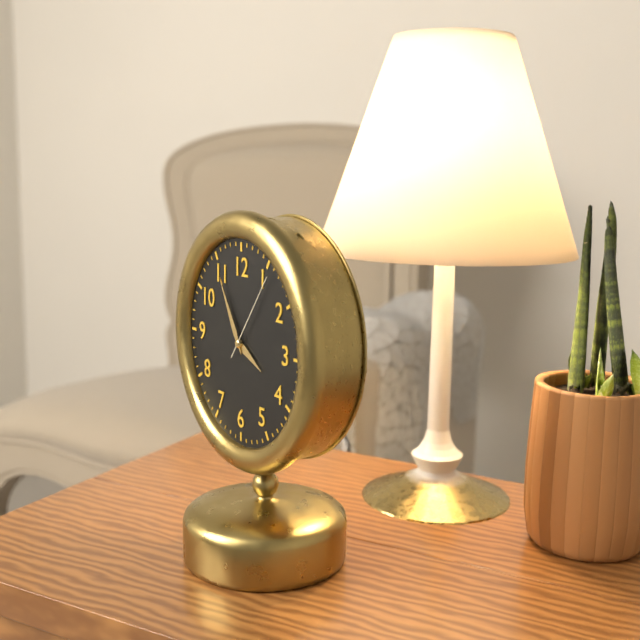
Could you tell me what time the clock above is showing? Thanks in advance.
3:55:06
